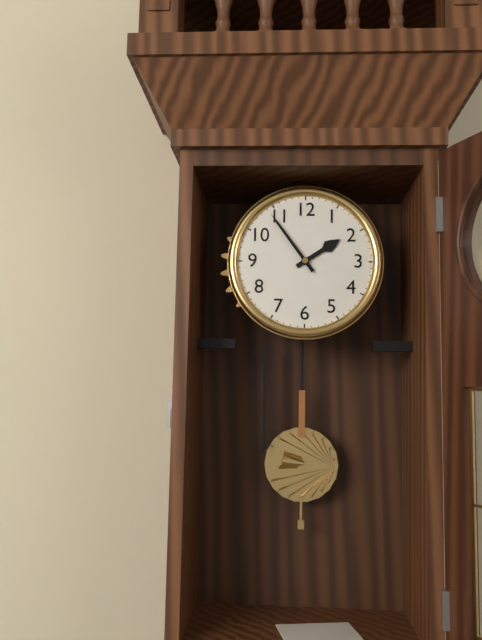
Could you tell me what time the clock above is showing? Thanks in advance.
1:54
